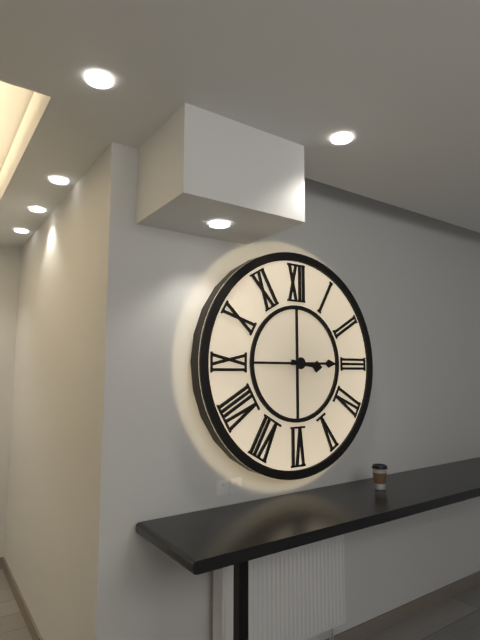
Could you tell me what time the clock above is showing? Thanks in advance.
3:15
